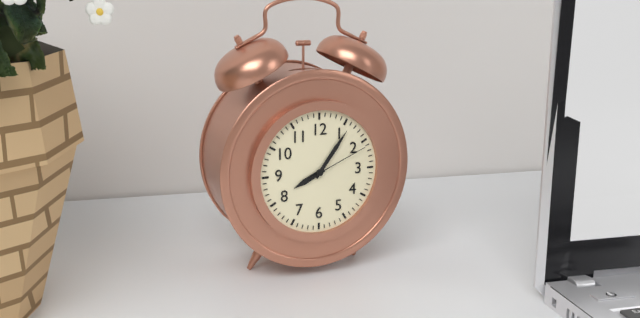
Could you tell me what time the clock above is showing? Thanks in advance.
8:06:11
